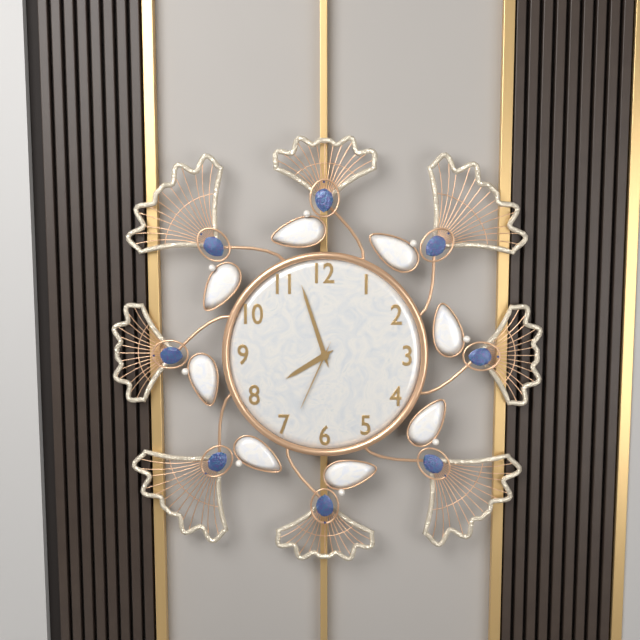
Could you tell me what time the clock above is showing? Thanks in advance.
7:57:34
